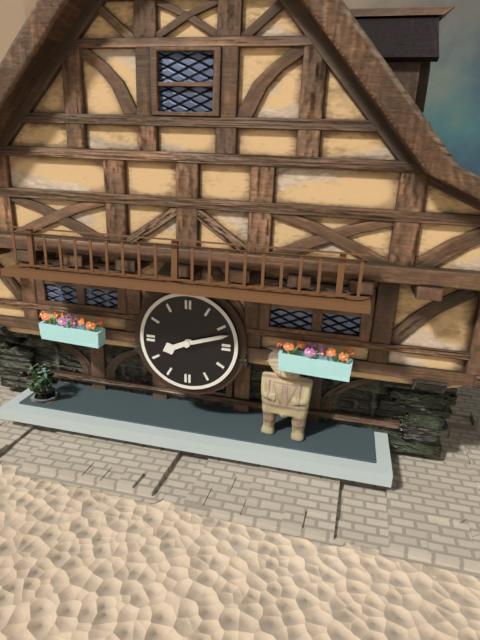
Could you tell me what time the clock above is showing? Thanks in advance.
8:12
